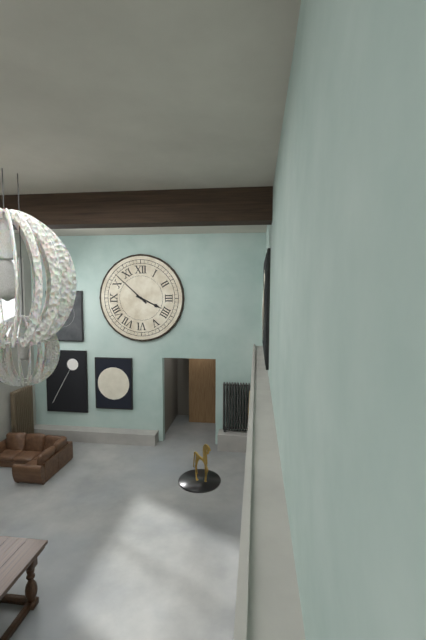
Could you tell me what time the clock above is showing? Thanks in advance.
3:52
